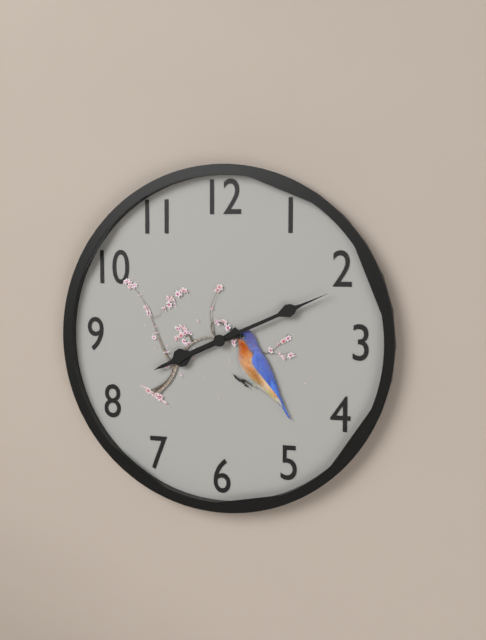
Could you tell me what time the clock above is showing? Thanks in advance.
8:11
